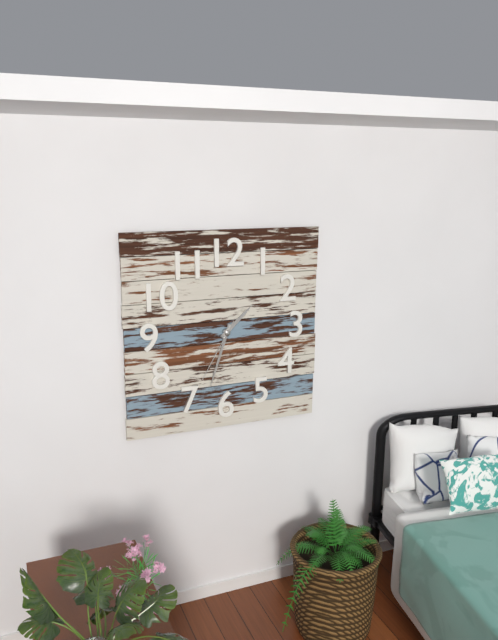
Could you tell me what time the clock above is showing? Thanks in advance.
1:33:35
